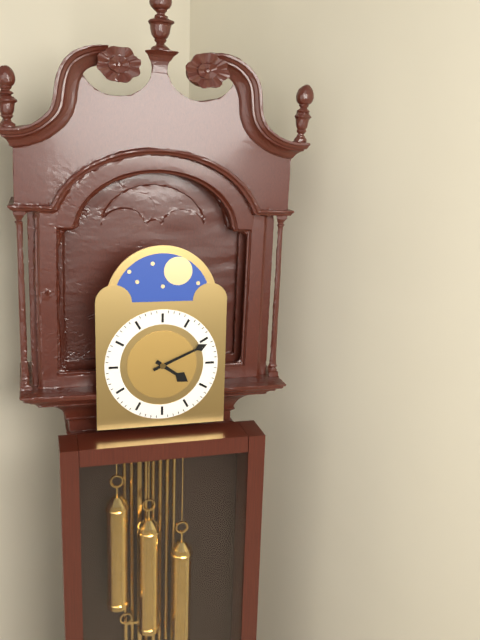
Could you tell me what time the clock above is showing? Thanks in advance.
4:11
